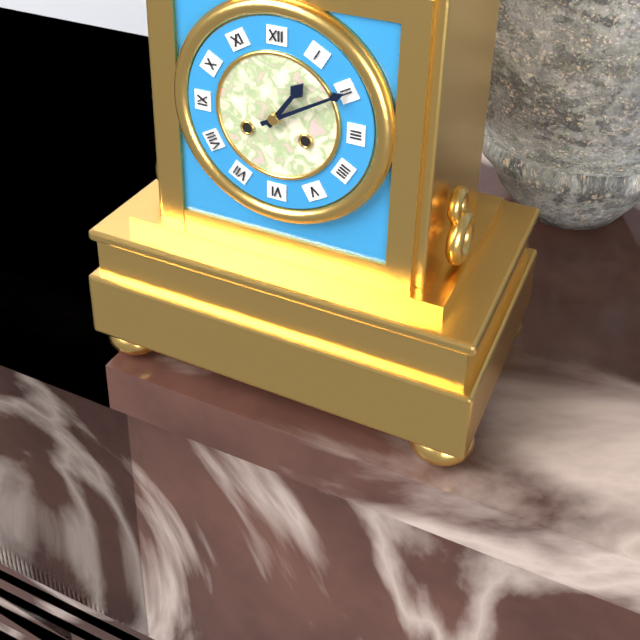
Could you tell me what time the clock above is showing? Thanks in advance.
1:10
